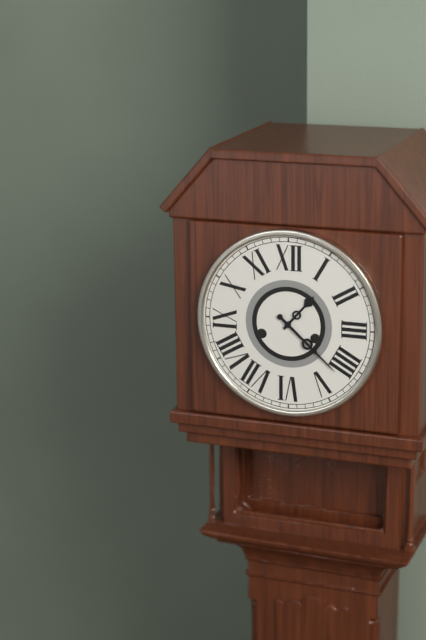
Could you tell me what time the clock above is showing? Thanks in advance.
1:22
